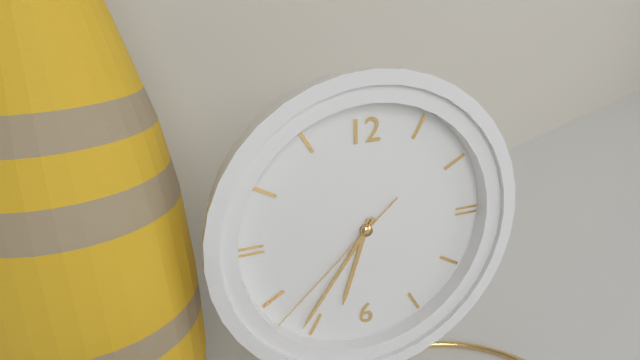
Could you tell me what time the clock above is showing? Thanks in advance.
6:36:38
